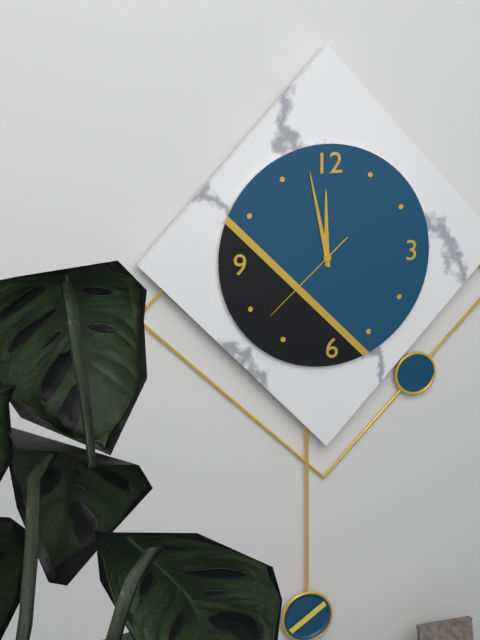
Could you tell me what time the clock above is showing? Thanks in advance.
11:58:38
